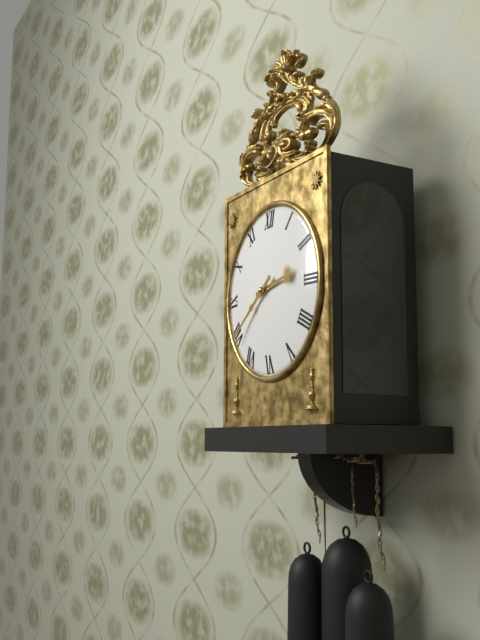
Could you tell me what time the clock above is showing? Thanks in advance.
2:39
